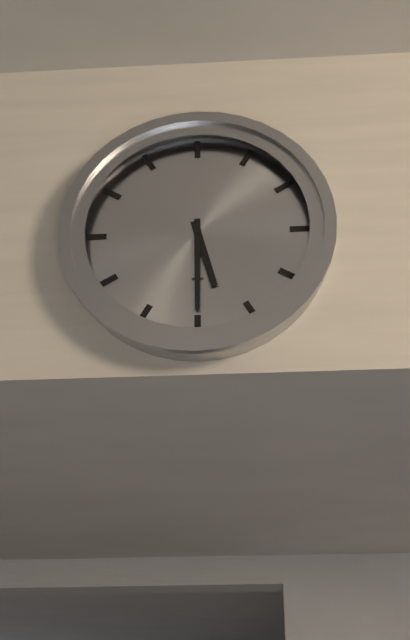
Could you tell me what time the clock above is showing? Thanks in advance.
5:30
